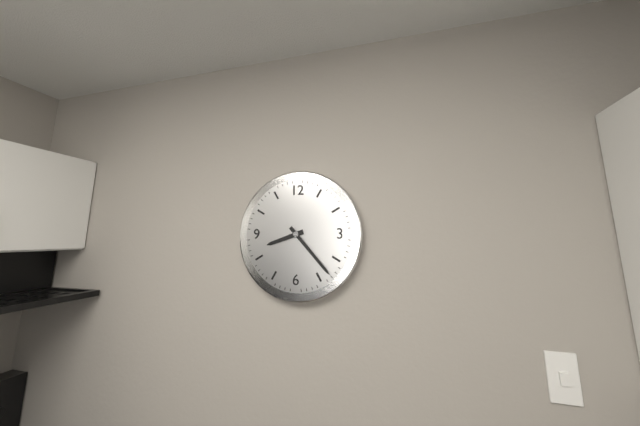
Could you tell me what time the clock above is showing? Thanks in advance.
8:23
